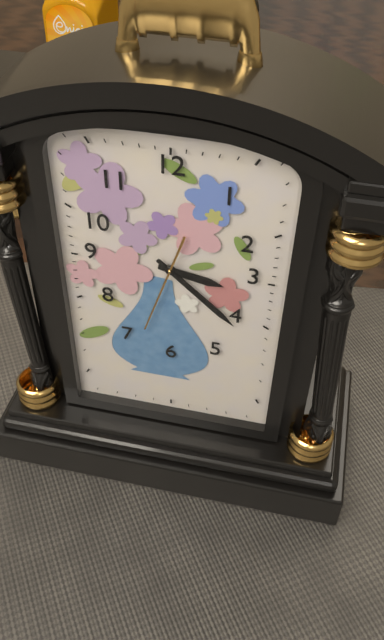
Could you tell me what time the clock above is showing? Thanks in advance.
3:22:33
